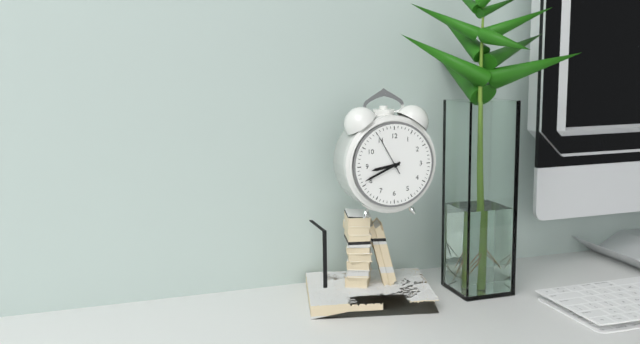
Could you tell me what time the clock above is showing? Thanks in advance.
8:41
